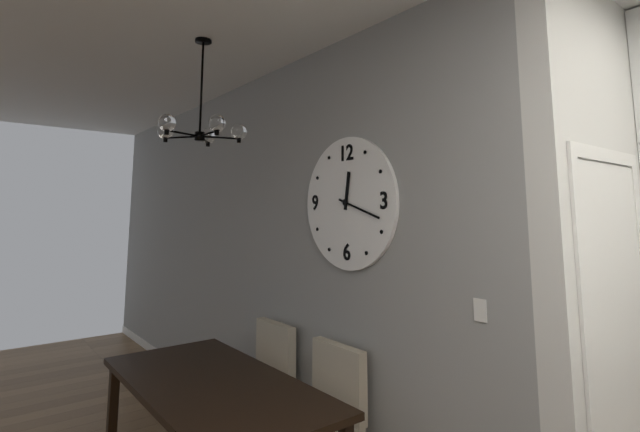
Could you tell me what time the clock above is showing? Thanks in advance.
12:18
